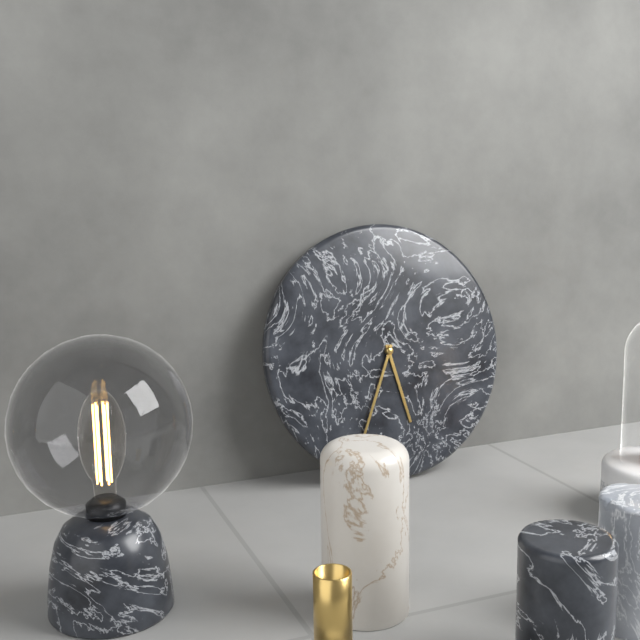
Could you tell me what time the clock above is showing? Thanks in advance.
5:34
